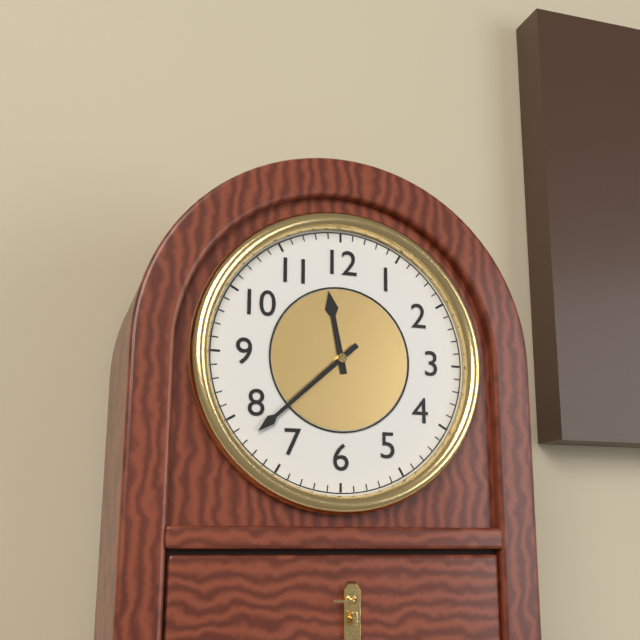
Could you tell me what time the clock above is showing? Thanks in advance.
11:38
